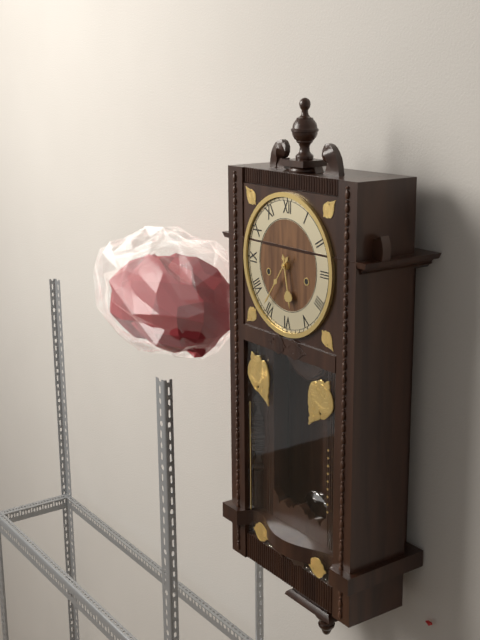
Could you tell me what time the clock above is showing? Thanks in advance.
5:36
